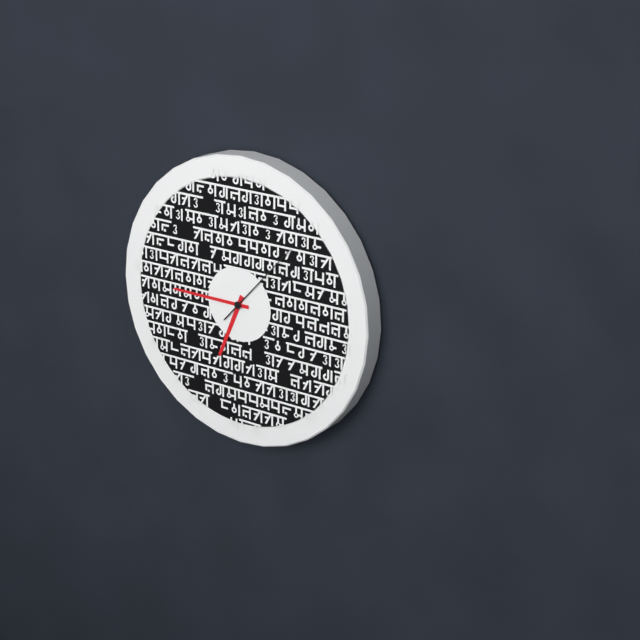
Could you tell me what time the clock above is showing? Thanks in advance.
6:45:07
